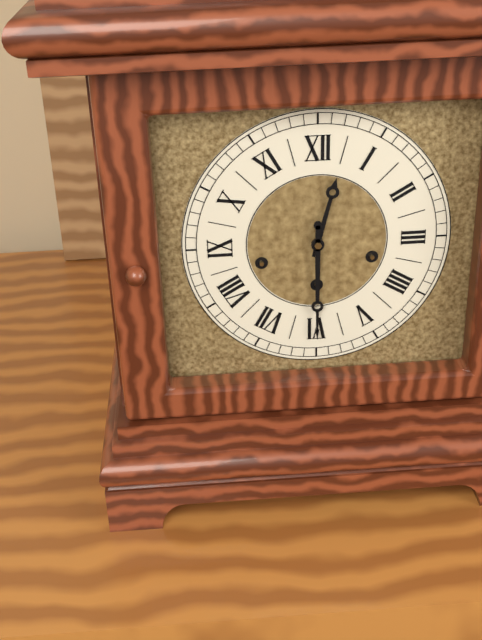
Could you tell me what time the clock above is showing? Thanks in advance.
12:30
